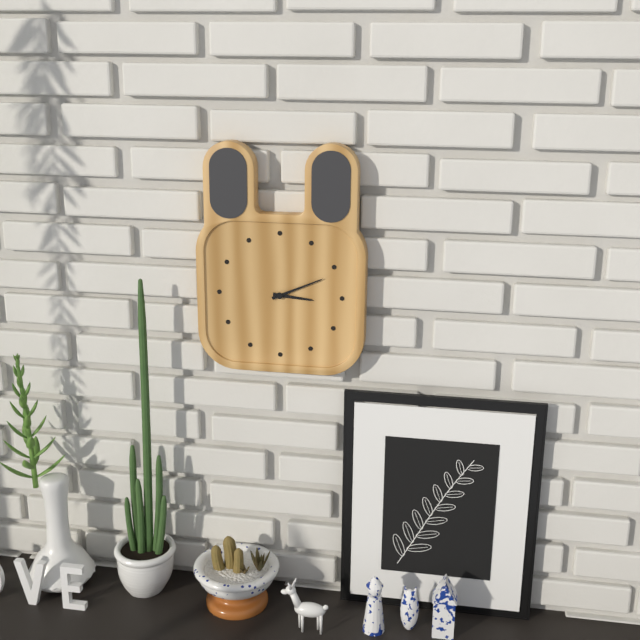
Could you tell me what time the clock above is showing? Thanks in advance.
3:11
